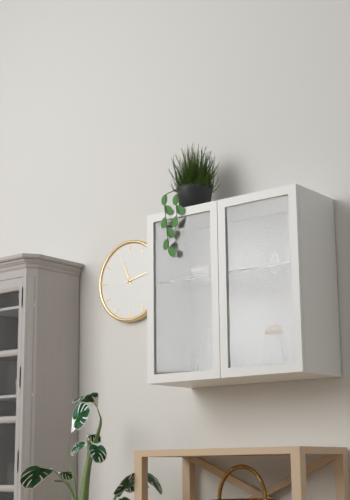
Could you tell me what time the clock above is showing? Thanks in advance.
11:13
